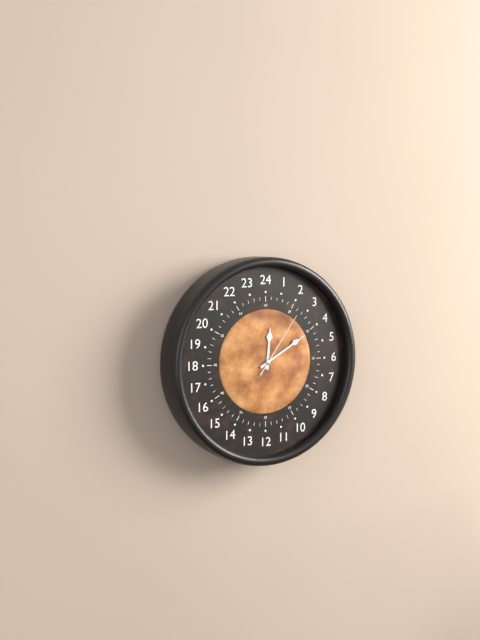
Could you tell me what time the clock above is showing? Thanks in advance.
12:10:06
